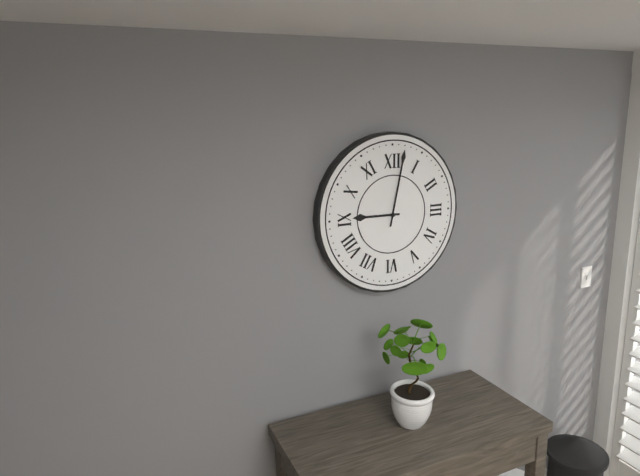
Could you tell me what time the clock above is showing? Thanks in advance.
9:02
